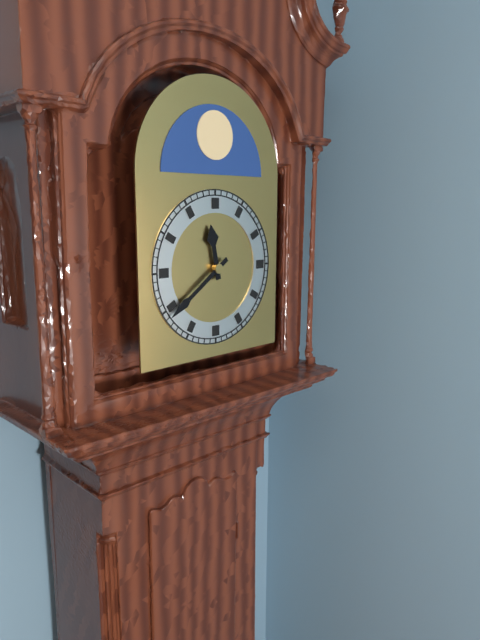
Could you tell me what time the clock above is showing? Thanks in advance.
11:39
